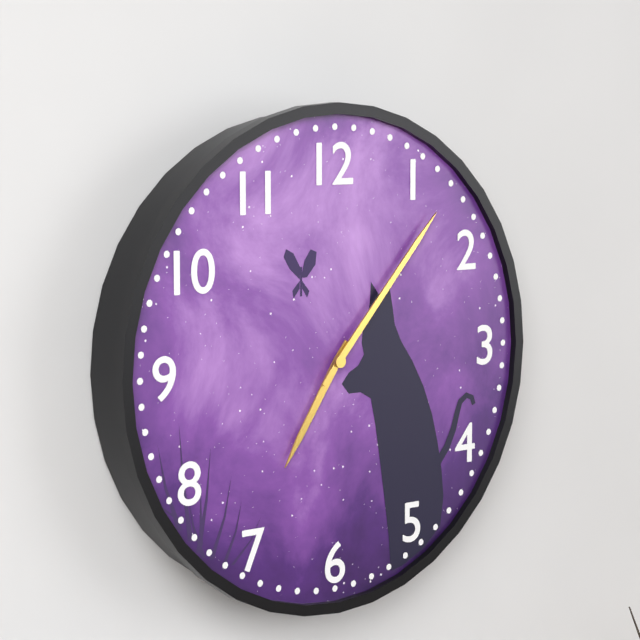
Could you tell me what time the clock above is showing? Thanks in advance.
7:07
